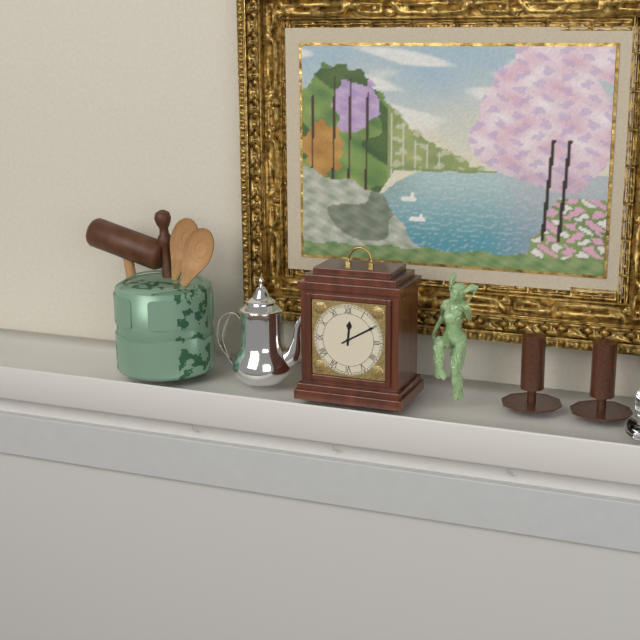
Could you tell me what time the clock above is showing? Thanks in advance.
12:10
